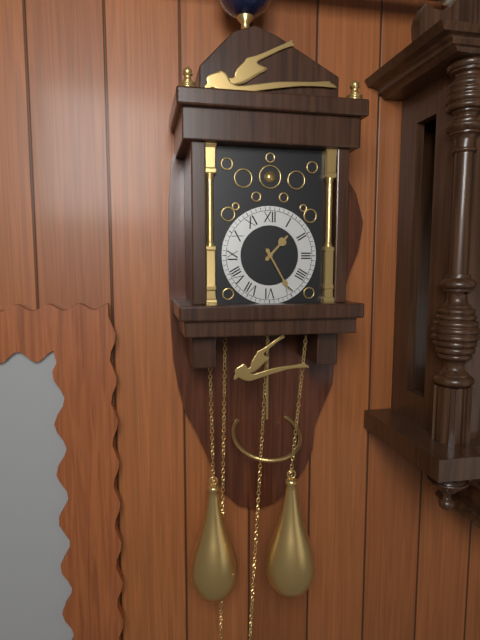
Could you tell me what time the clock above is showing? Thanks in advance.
1:25
